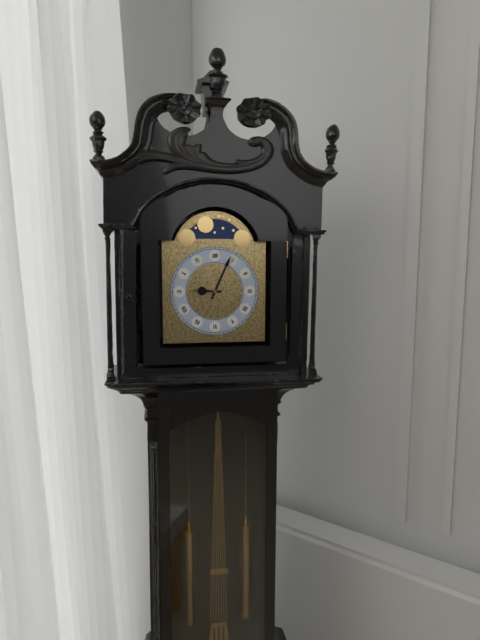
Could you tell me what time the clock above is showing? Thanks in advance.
9:04
